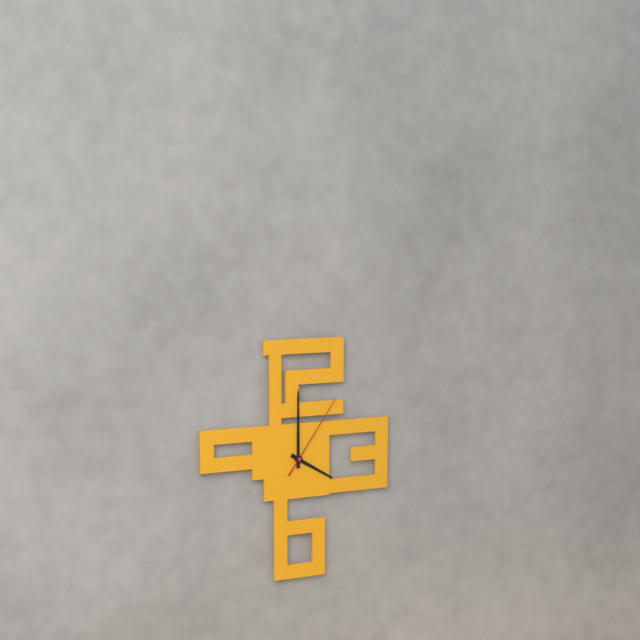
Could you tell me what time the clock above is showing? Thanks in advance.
4:00:06
